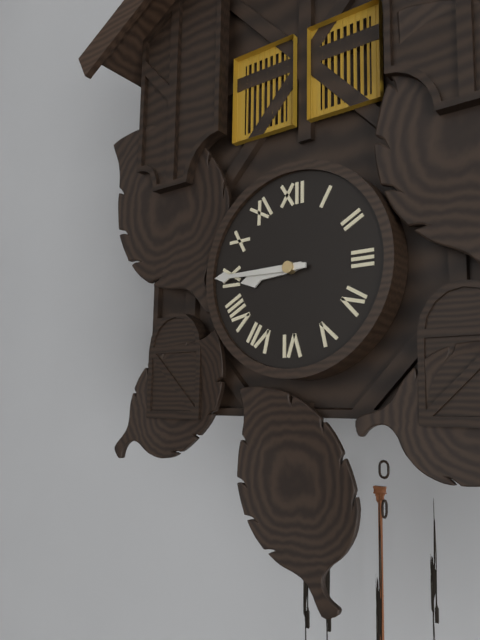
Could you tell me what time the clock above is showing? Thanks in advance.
8:45
